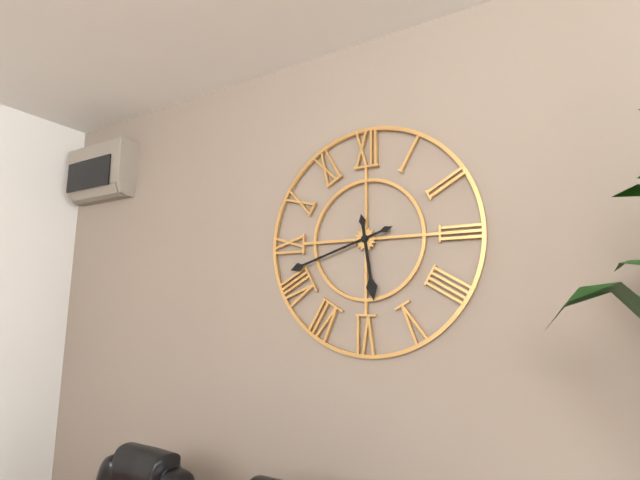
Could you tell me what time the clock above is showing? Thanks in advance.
5:42
